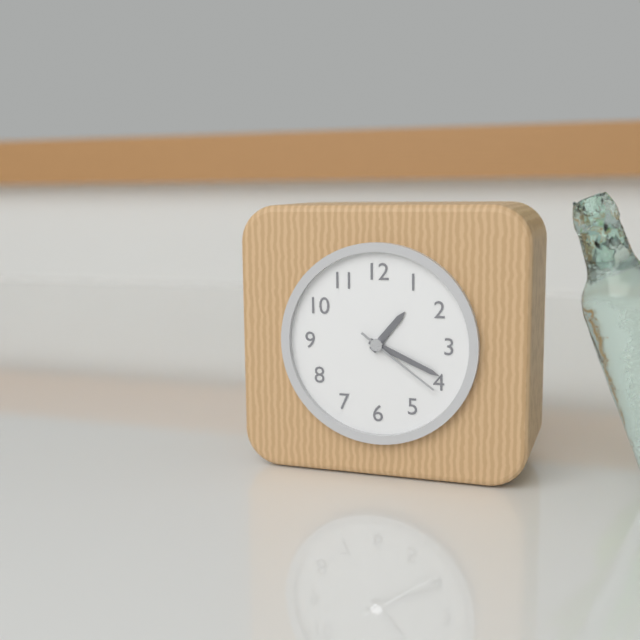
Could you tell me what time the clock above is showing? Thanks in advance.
1:19:21
